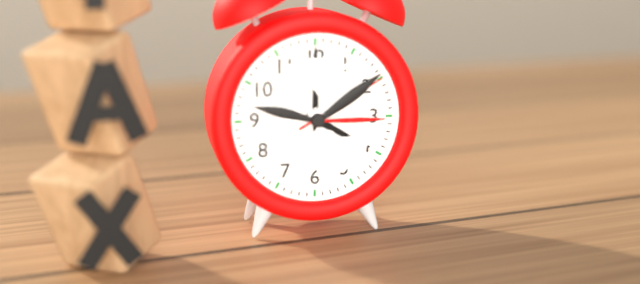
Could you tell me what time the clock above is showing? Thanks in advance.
4:00:10
